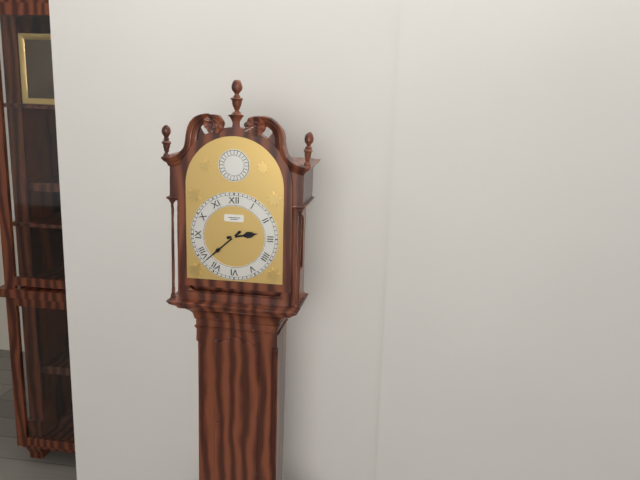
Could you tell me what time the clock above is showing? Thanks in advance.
2:38
